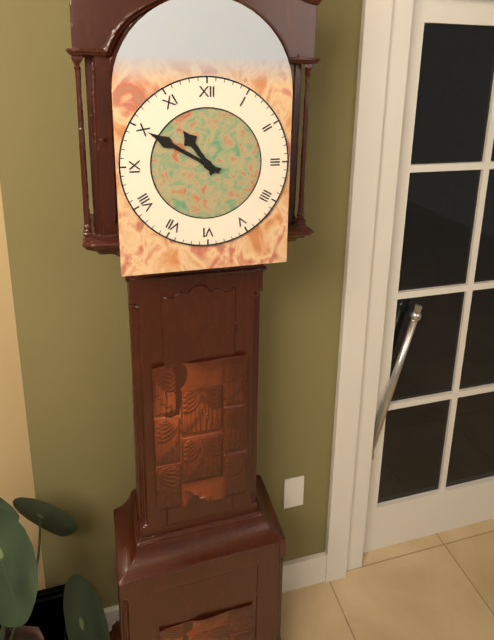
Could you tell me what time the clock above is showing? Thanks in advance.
10:50
